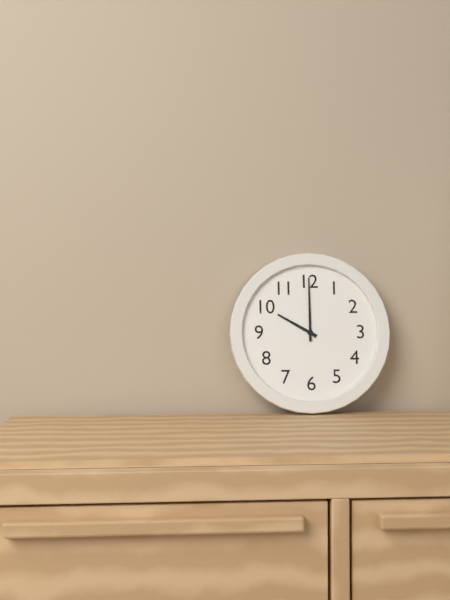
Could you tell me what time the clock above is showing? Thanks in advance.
10:00
